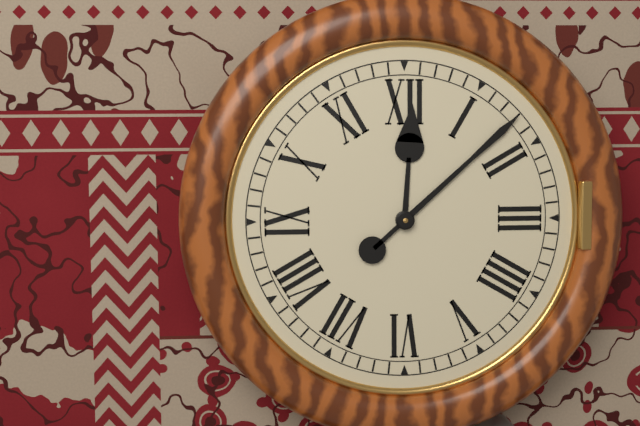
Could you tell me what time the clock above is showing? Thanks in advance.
12:08
